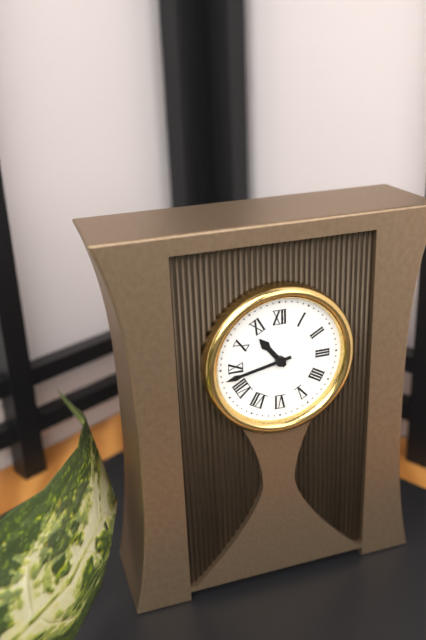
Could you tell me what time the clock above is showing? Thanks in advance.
10:43
